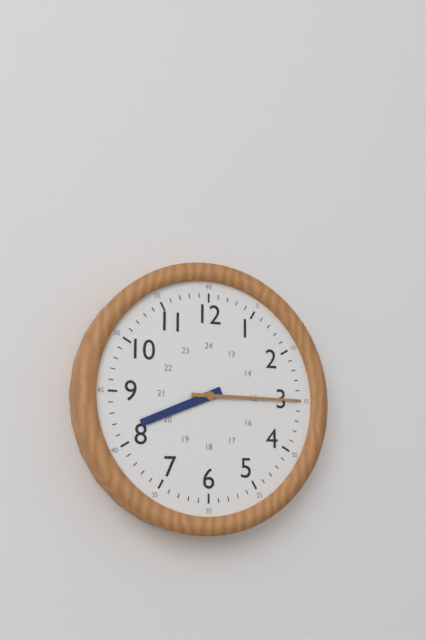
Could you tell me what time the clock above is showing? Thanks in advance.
8:15
